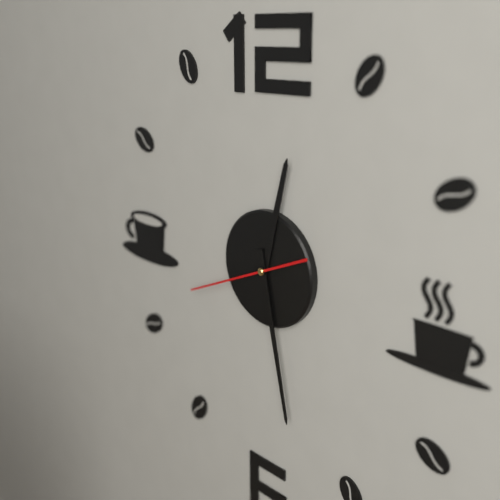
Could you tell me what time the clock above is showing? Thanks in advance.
12:28:41
